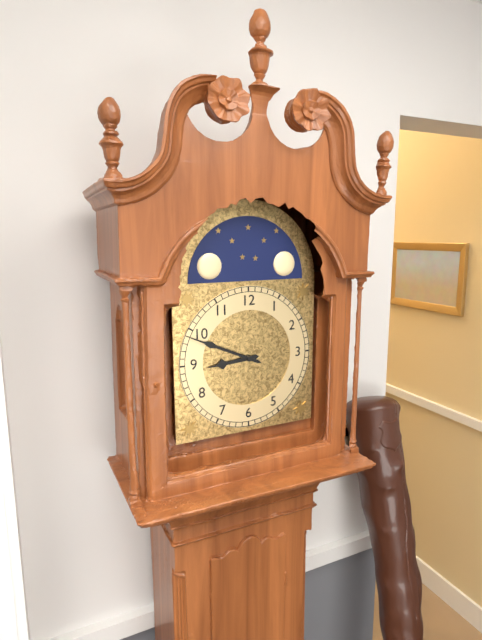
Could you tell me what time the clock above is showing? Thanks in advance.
8:49
